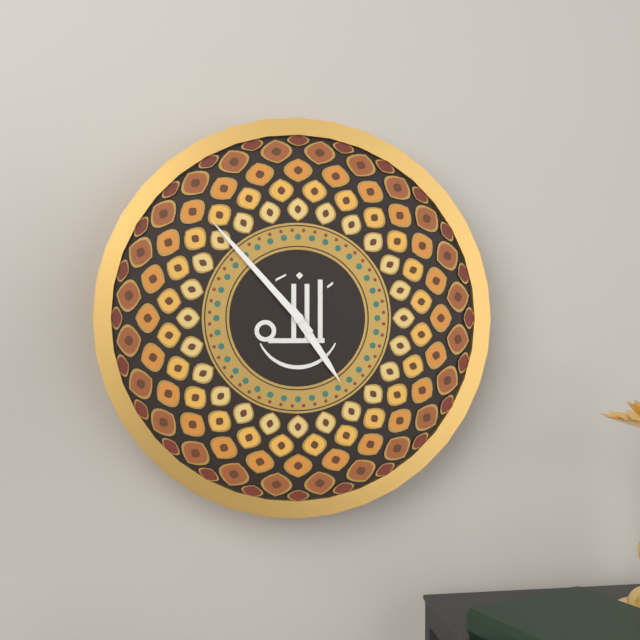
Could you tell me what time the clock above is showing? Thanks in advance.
4:53
